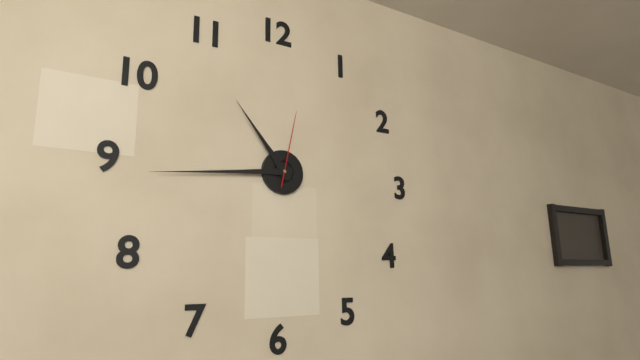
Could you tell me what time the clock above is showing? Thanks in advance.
10:44:02
